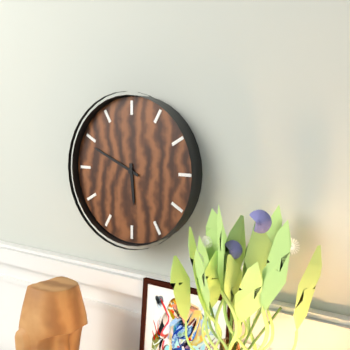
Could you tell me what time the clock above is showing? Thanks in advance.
5:49
